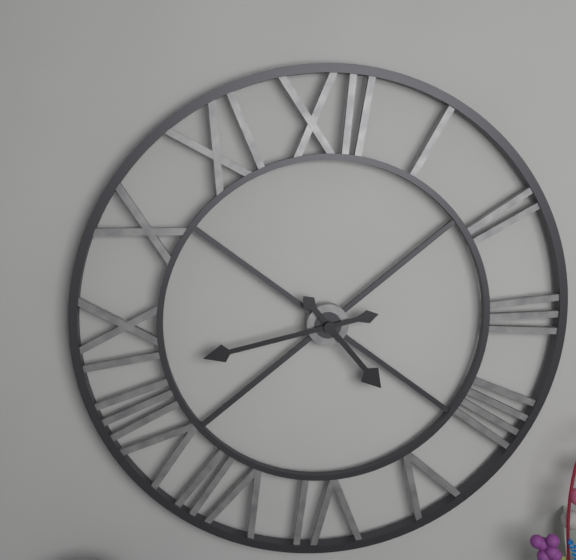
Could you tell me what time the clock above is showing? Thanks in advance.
4:43
